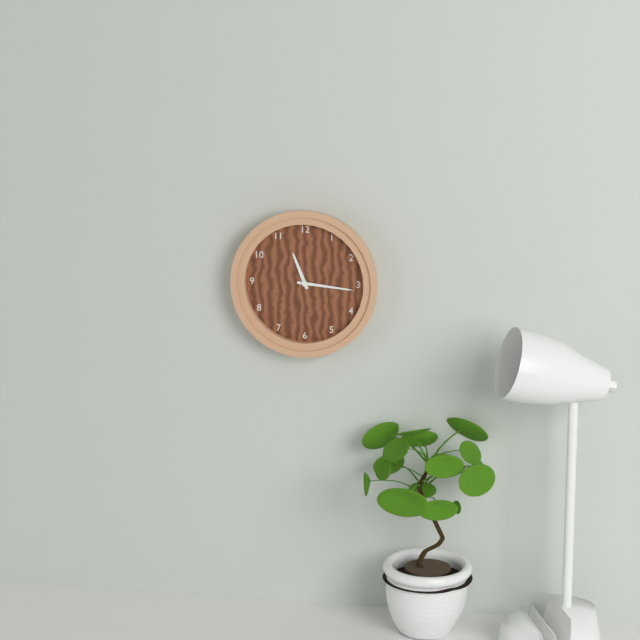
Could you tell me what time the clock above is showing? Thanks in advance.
11:16
